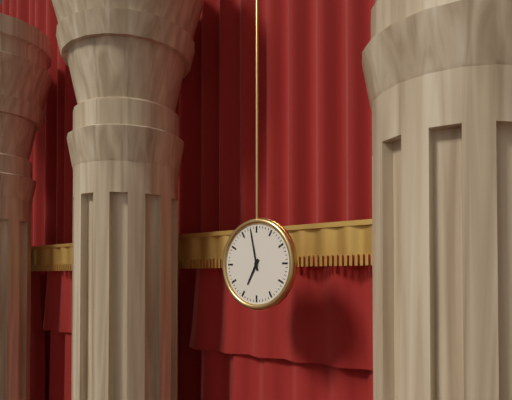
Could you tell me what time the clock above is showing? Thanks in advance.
6:58
